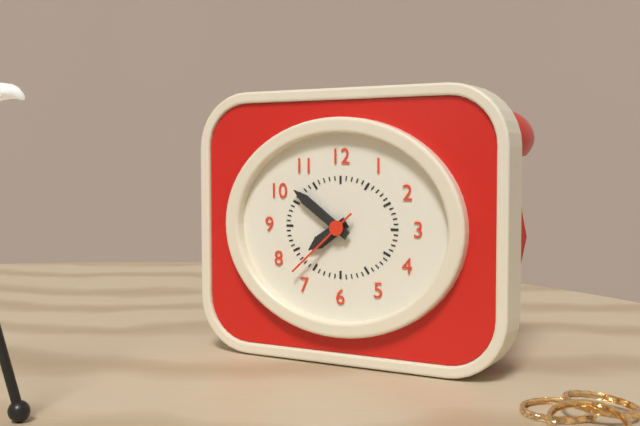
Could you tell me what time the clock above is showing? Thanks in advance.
7:51:38
